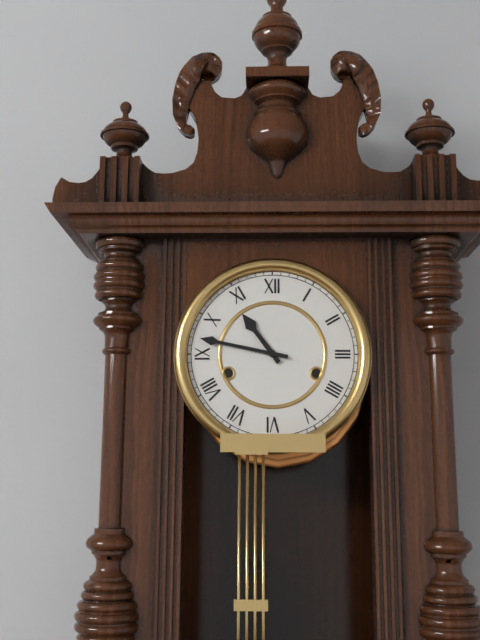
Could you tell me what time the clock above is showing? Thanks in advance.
10:47
